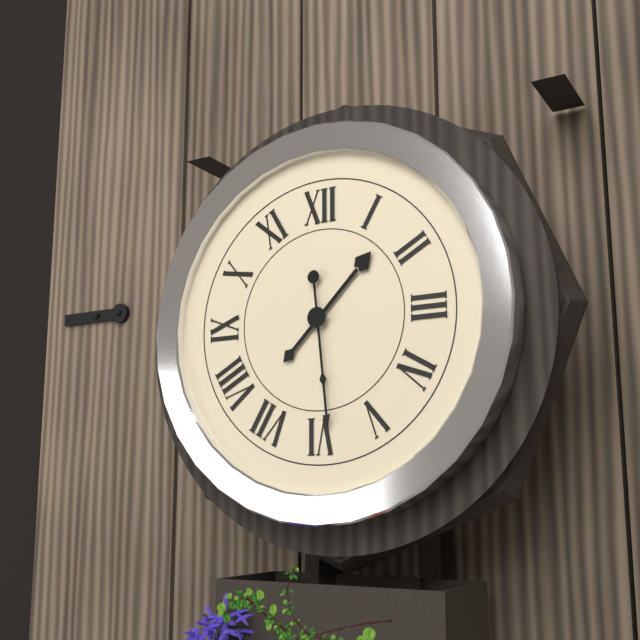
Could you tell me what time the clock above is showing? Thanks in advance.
1:29
